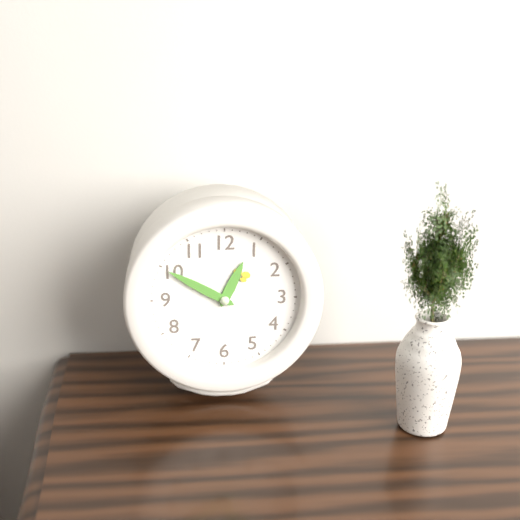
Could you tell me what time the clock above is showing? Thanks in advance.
12:50
